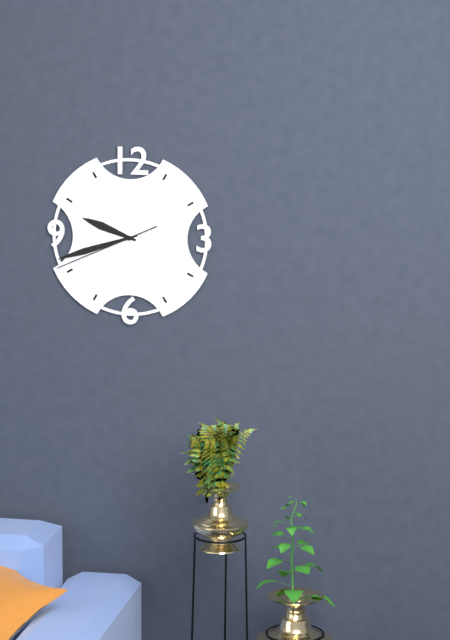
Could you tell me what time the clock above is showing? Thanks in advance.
9:42:41
